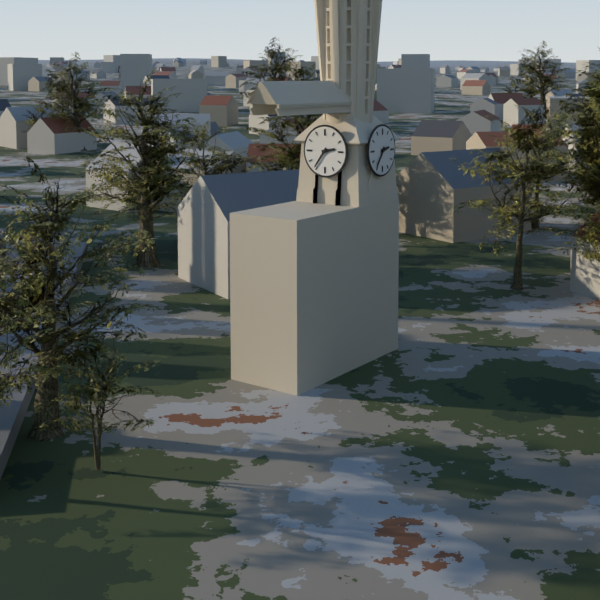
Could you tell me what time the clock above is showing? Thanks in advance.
2:36
